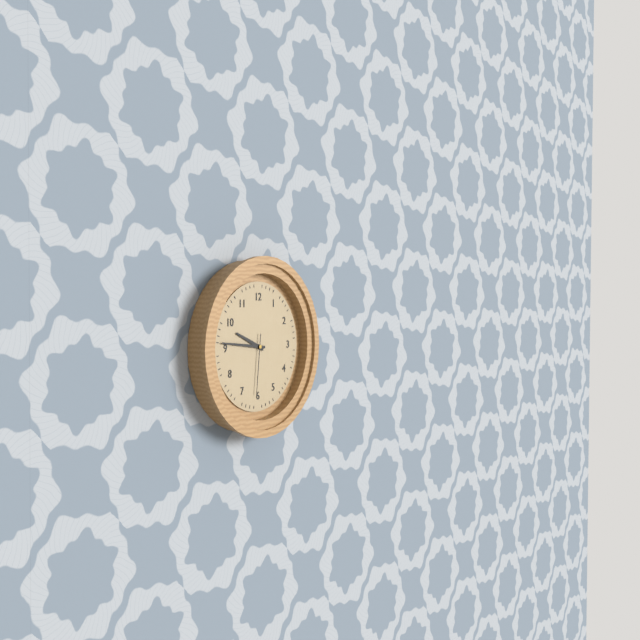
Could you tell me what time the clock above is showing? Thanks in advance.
9:46:31
